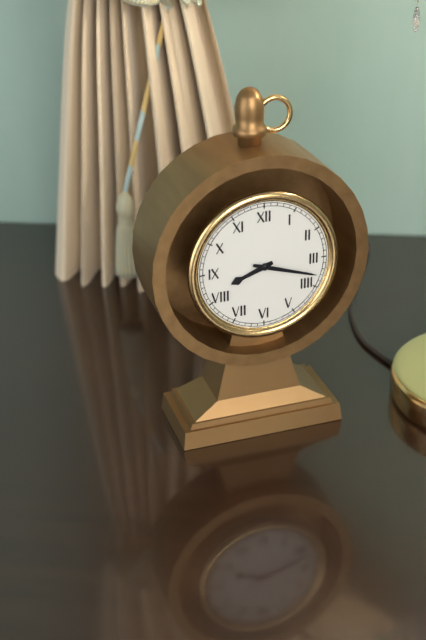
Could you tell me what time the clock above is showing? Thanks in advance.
8:18
